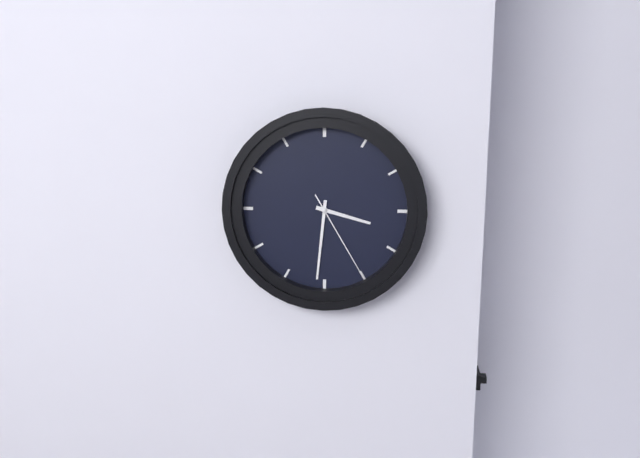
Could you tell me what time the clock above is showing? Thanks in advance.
3:31:25
